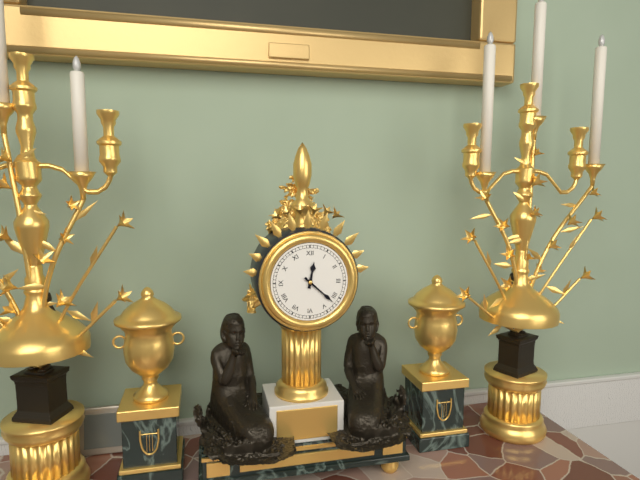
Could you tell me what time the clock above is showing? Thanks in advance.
12:22
